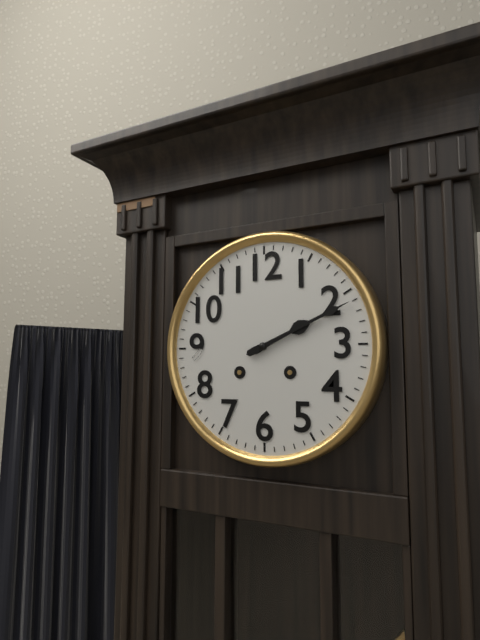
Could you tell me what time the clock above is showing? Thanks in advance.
2:11
